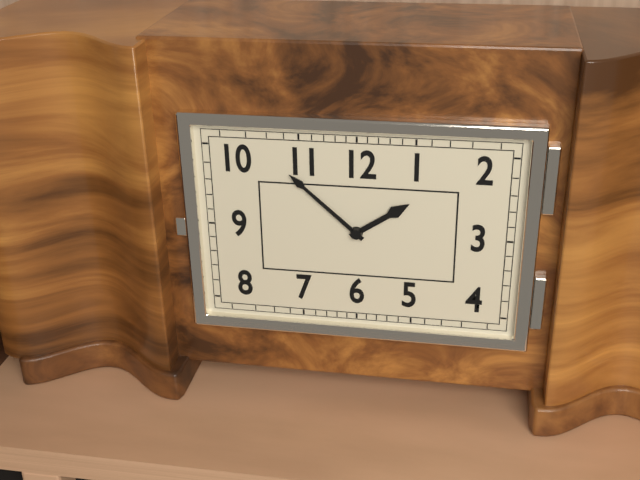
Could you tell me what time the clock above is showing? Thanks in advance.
1:52
